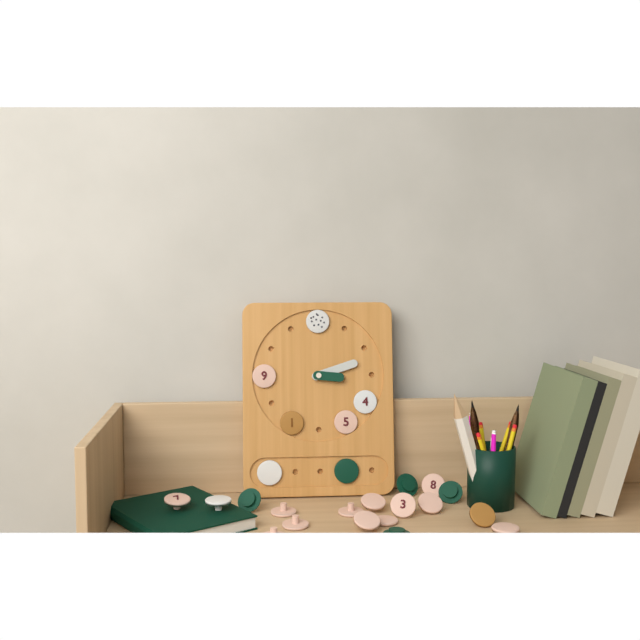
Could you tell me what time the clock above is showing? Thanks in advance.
3:12
